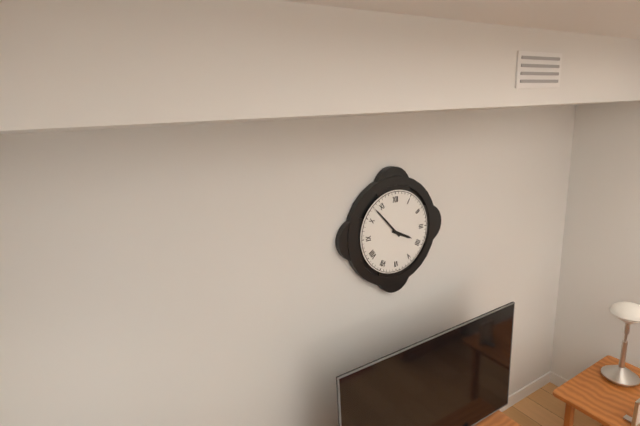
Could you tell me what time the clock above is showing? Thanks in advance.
3:53
